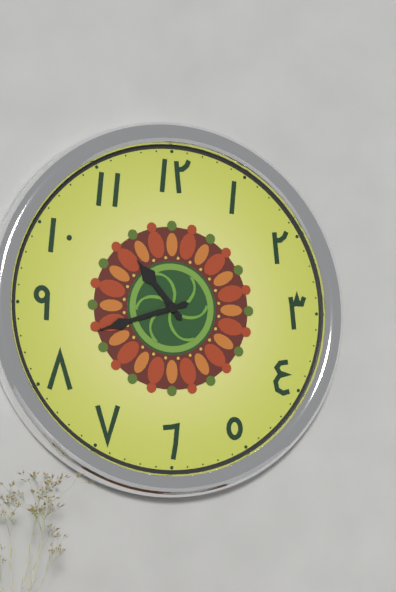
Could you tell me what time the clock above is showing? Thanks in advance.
10:42
